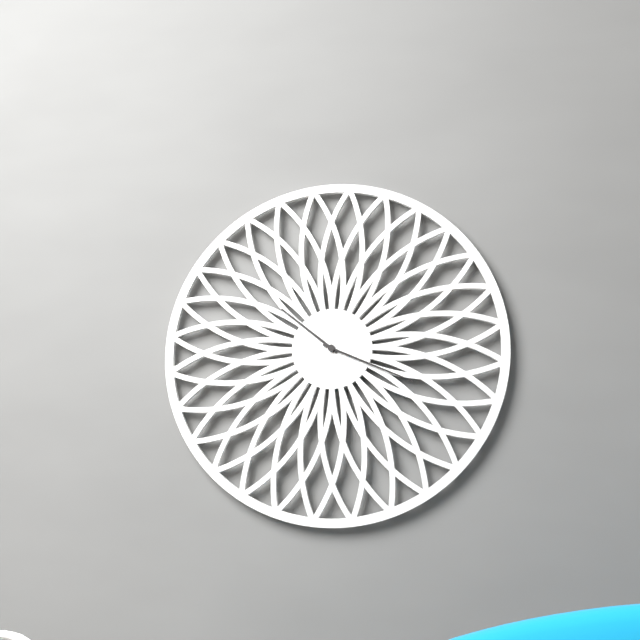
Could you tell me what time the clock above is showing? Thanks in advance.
10:19
